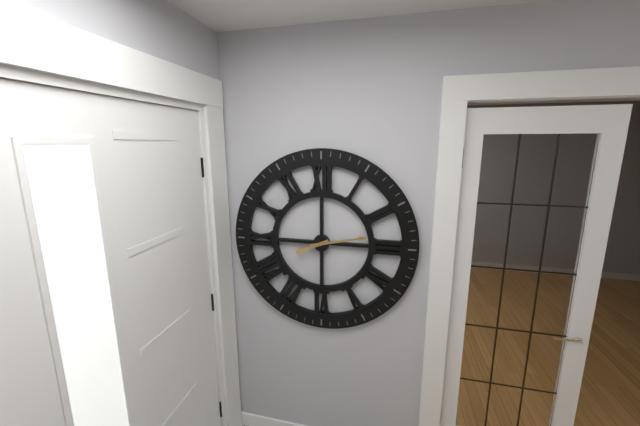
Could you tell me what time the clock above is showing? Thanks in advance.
8:13
